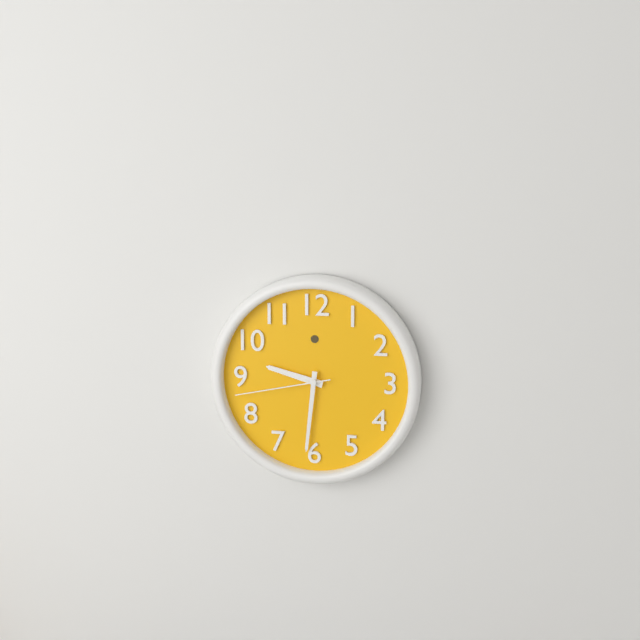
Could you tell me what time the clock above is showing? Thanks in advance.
9:31:43
